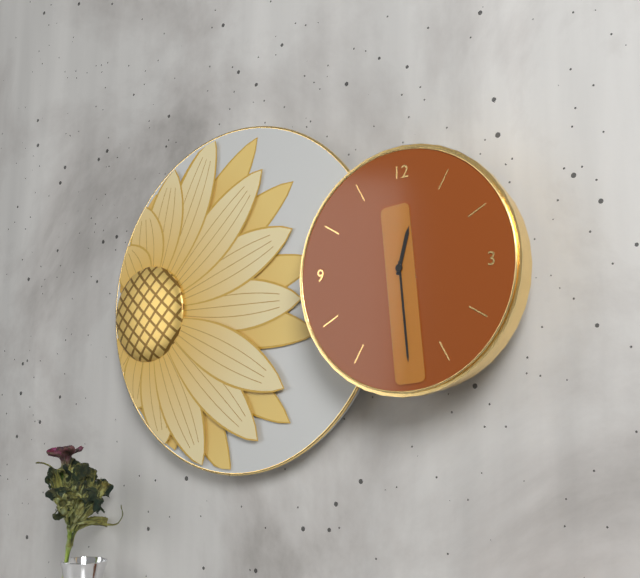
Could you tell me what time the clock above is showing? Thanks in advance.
12:29
